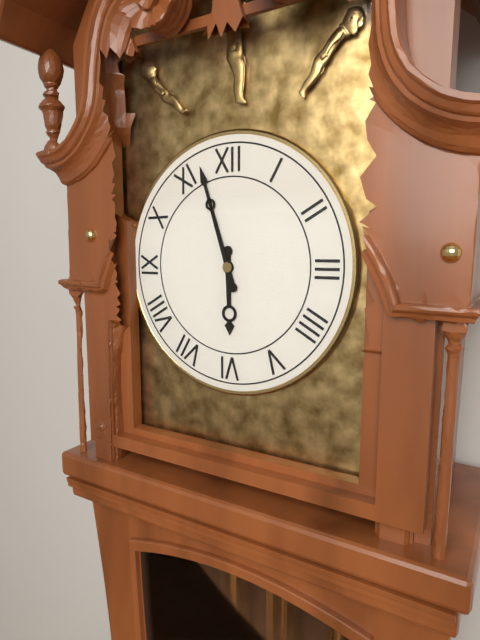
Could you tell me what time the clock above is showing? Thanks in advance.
5:57
